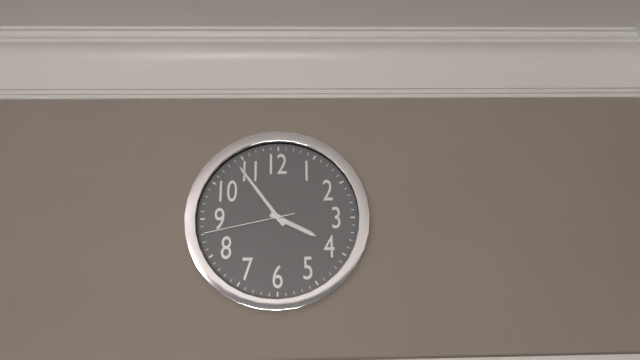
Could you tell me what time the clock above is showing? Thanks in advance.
3:54:43
